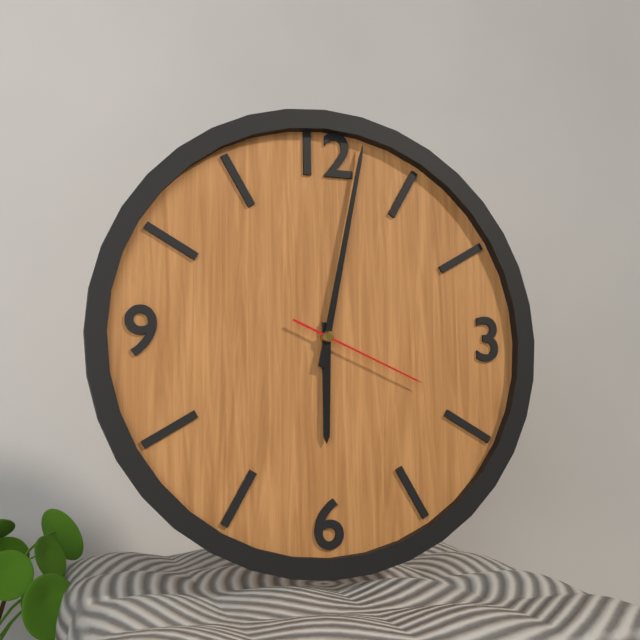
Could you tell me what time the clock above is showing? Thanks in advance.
6:02:19
